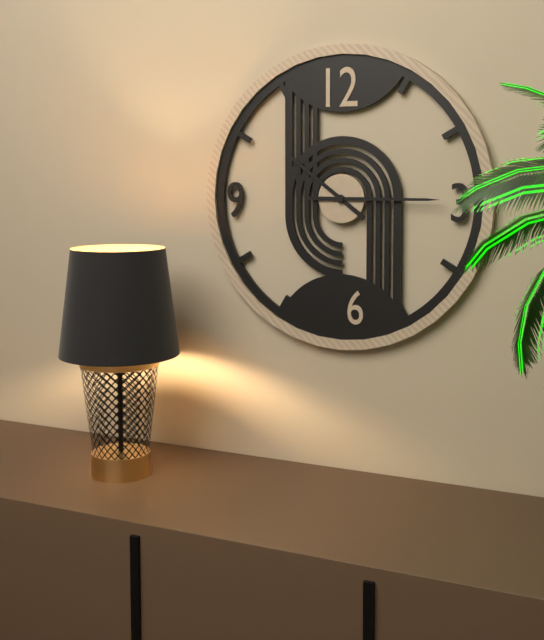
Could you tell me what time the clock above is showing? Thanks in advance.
10:15
